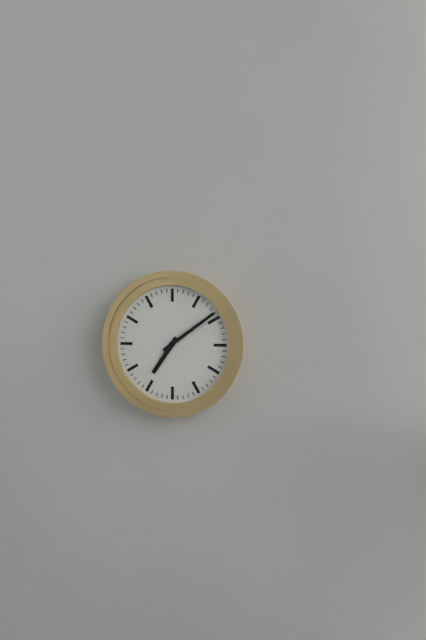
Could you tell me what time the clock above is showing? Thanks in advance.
7:09
